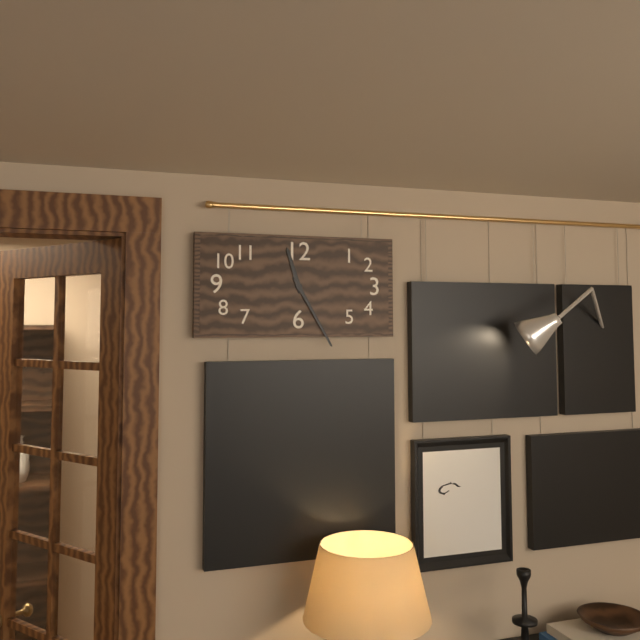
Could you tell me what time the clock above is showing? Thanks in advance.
11:25
